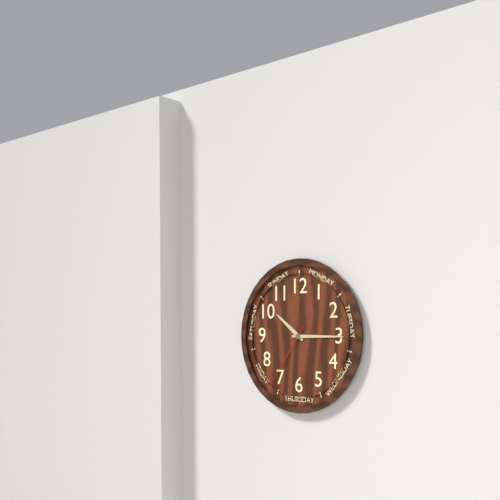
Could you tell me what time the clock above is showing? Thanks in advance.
10:15:36
